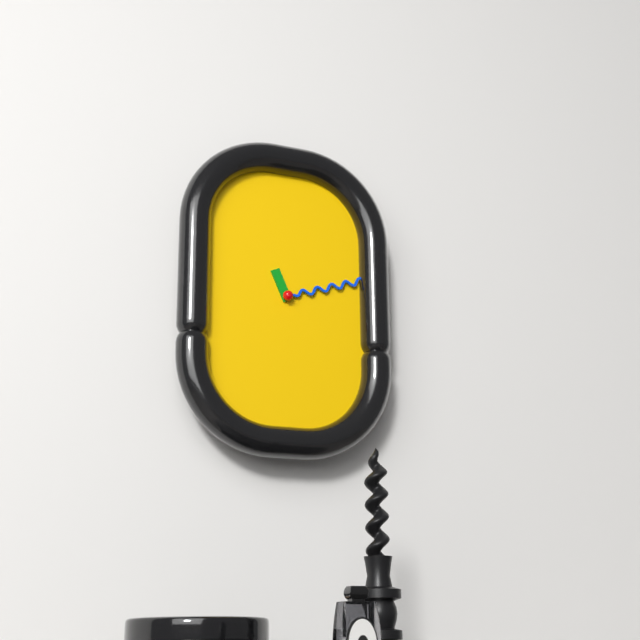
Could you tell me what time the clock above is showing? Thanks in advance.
11:12
